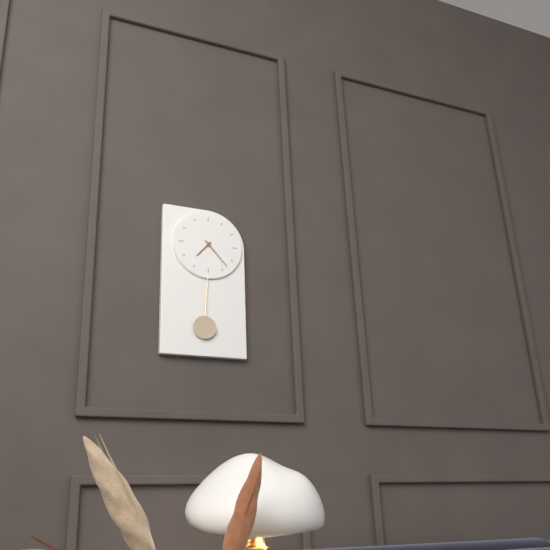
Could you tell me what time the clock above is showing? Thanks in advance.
7:23
